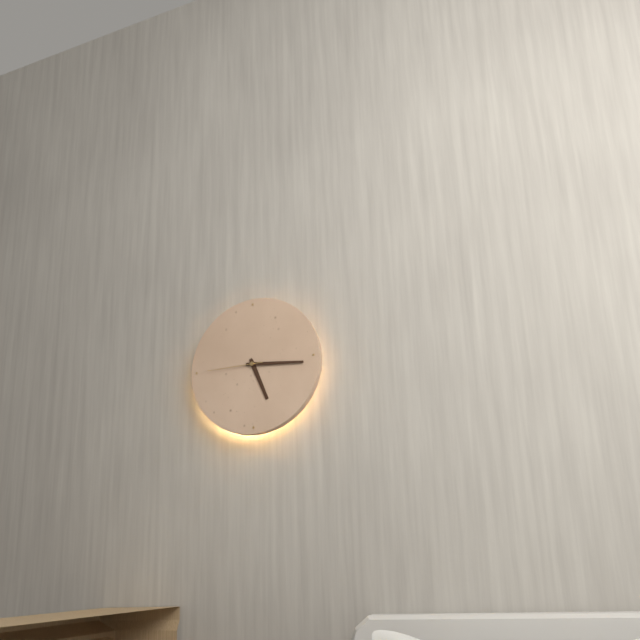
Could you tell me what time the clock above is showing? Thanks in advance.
5:16:45
